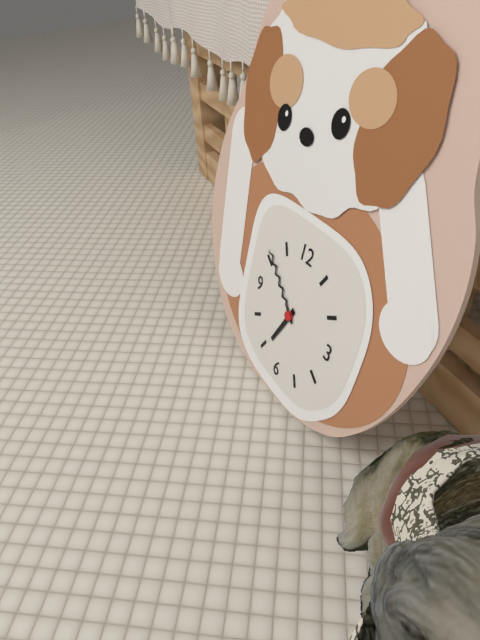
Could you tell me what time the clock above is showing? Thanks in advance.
6:51
